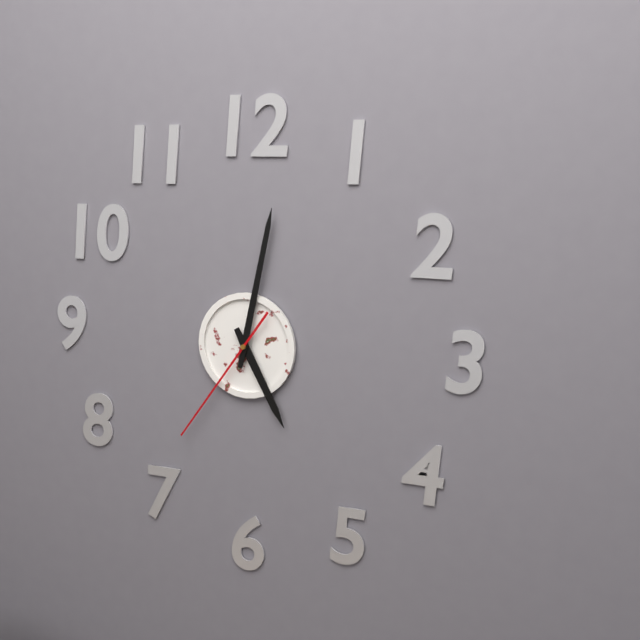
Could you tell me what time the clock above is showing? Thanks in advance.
5:02:36
